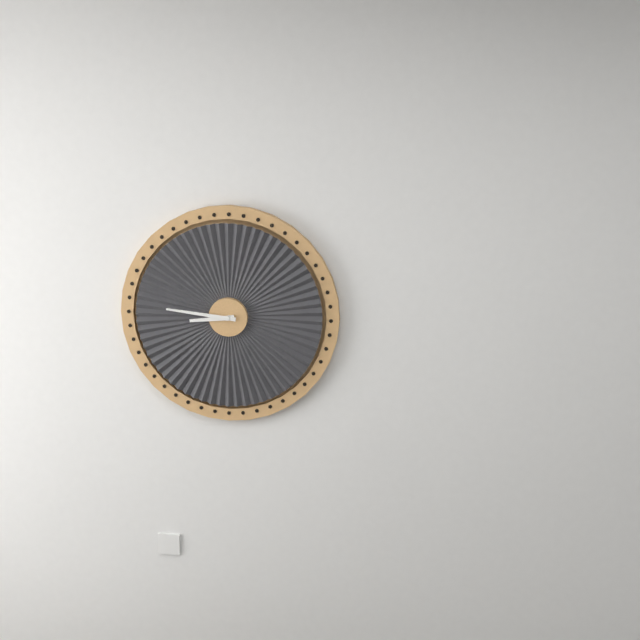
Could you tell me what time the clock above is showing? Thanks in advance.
8:46
